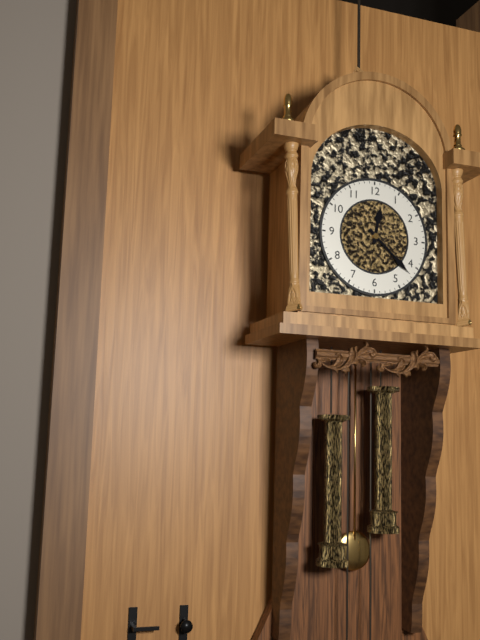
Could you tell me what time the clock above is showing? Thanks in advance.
12:22
